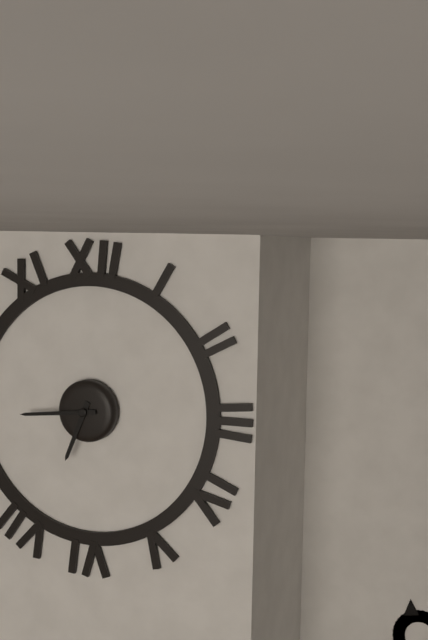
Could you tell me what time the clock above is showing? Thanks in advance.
6:44
